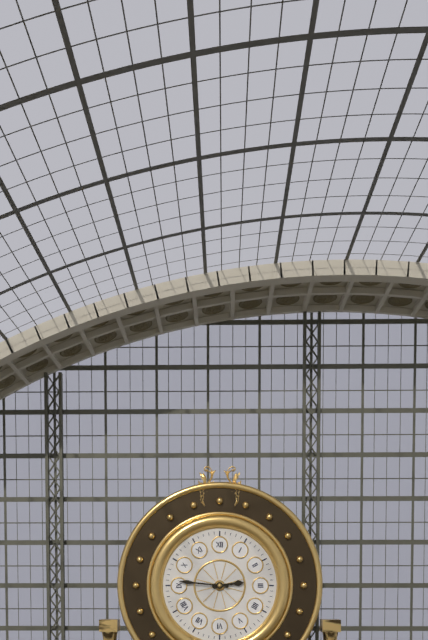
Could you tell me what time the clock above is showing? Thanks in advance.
2:46
